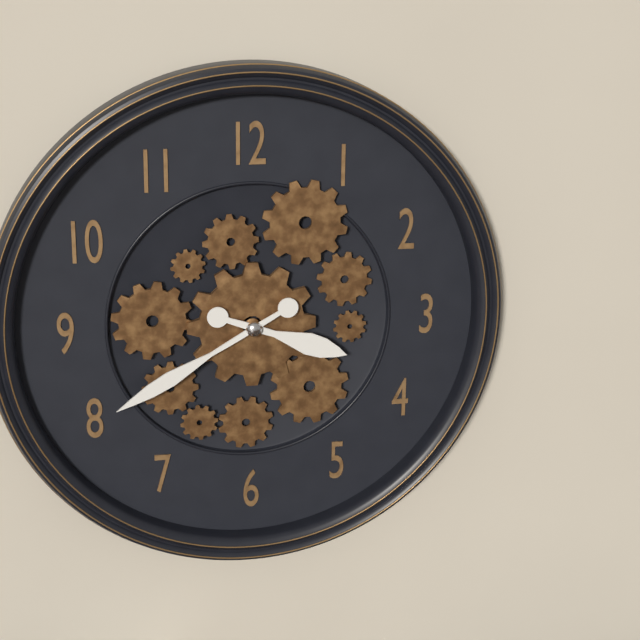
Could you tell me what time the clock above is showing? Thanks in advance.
3:40
